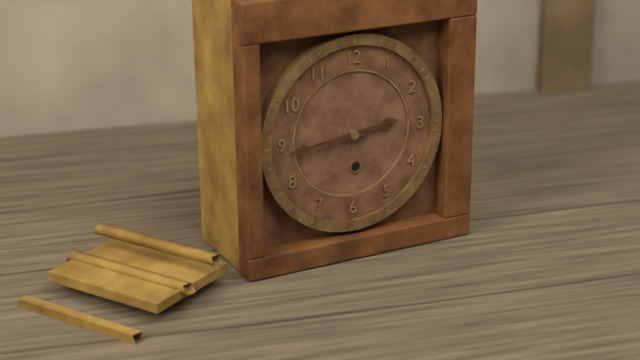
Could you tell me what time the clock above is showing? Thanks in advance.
2:44
